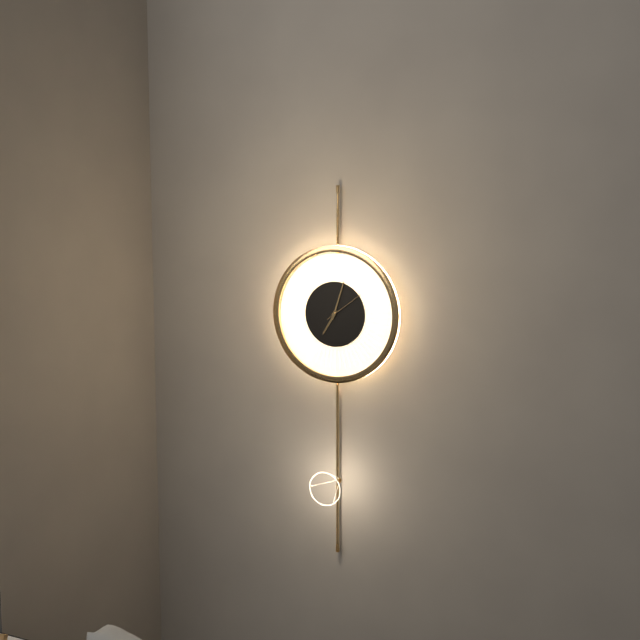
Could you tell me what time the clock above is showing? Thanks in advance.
7:03
